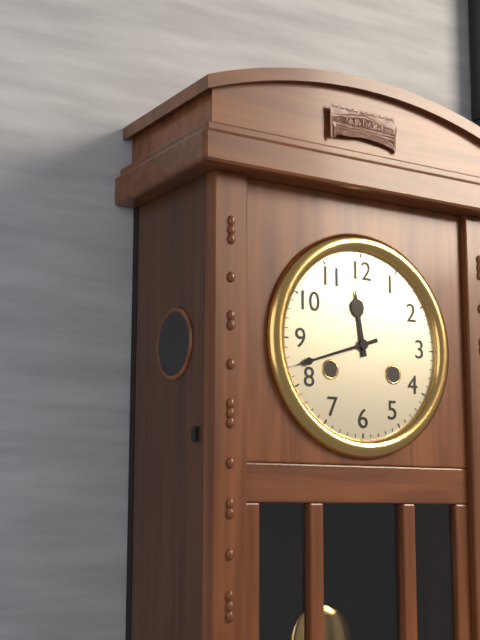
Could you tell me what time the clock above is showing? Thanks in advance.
11:42
